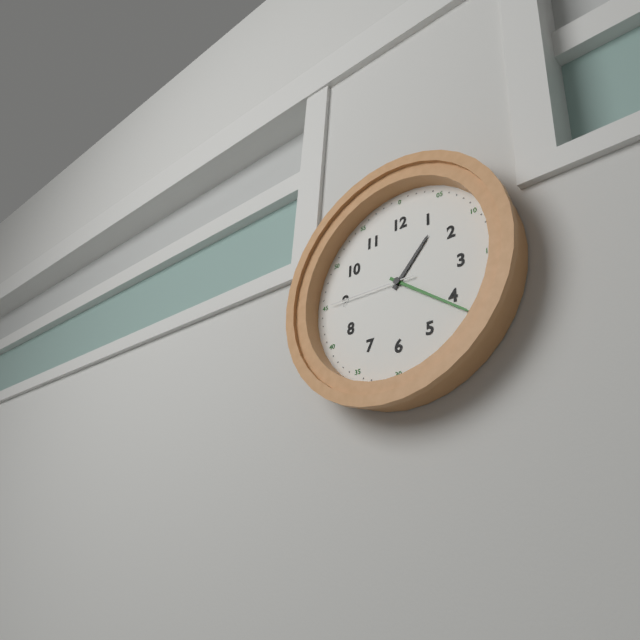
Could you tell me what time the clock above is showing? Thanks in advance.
1:21:45
